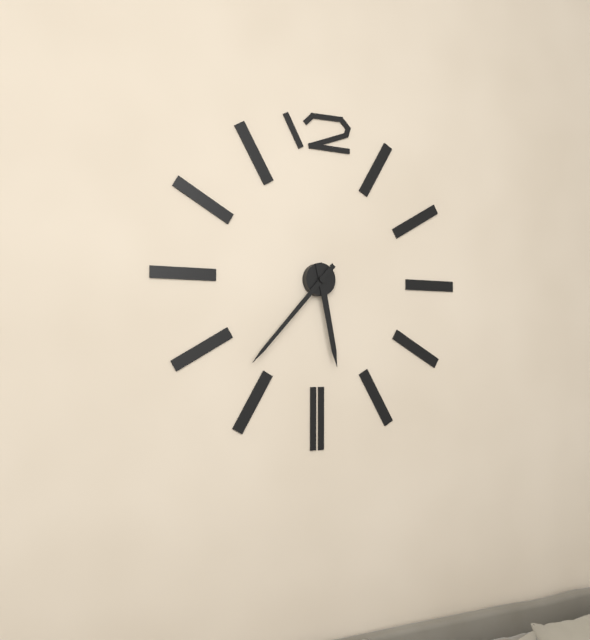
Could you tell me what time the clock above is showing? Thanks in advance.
5:37
